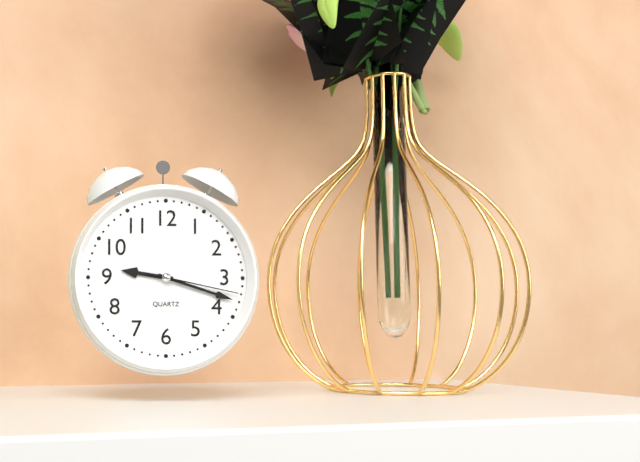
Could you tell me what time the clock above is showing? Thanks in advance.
9:18:17
